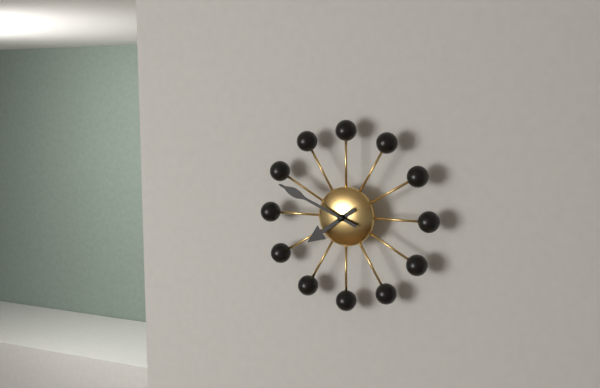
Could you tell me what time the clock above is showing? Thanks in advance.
7:49
